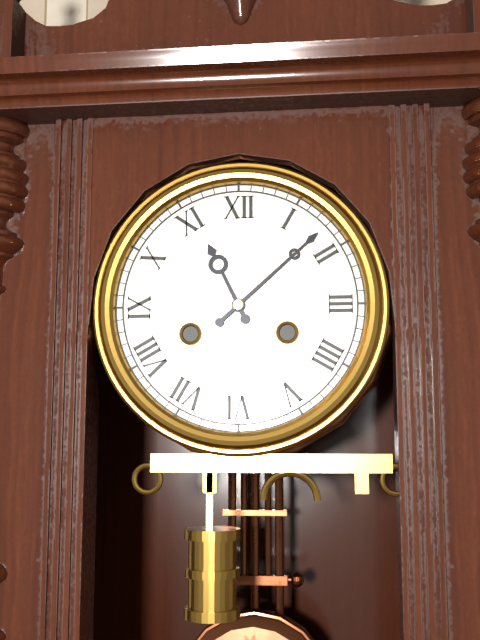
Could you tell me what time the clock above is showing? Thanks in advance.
11:08
